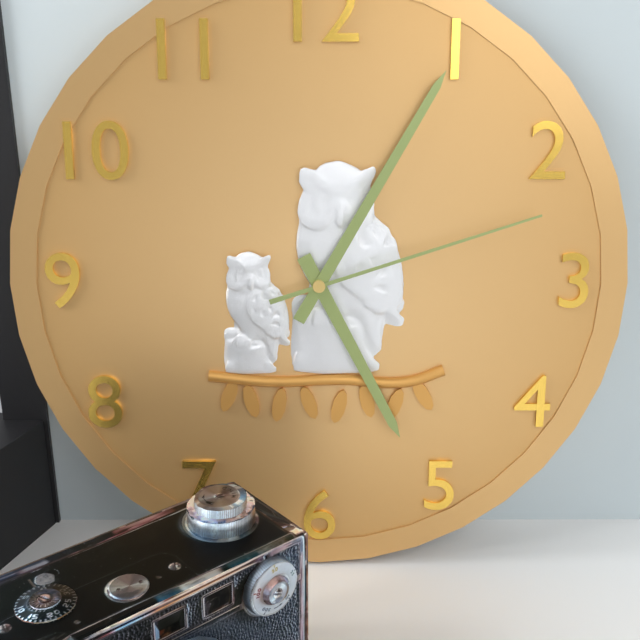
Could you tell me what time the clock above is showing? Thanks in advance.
5:05:12
